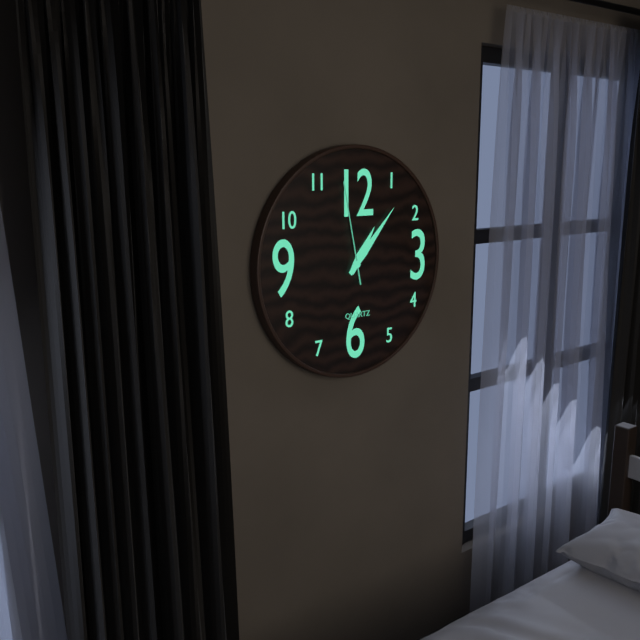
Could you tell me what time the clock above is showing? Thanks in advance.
1:07:58
